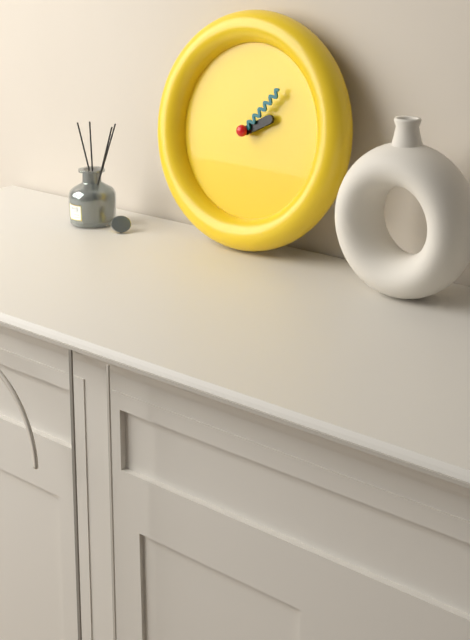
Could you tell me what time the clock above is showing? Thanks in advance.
2:07
